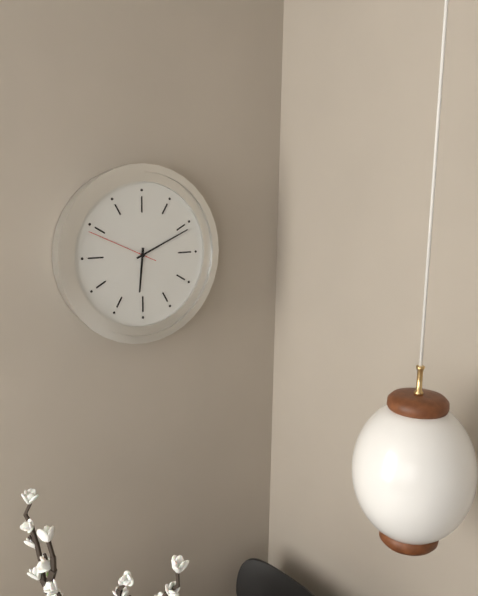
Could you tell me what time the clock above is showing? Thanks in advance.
6:11:49
